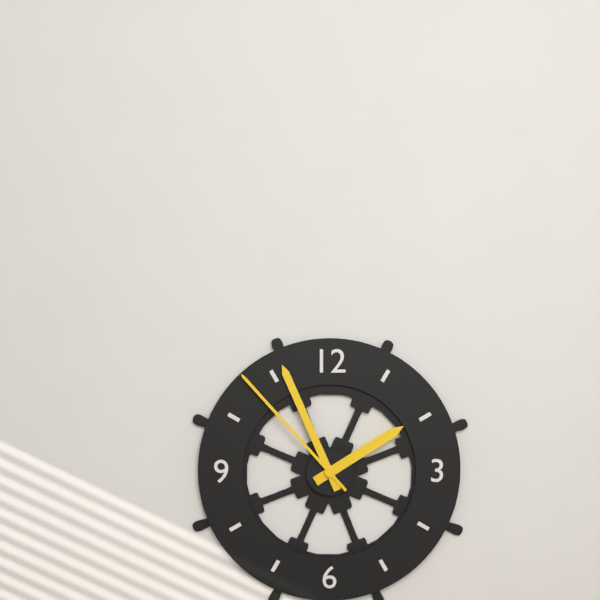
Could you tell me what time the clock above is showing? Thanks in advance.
1:56:53
